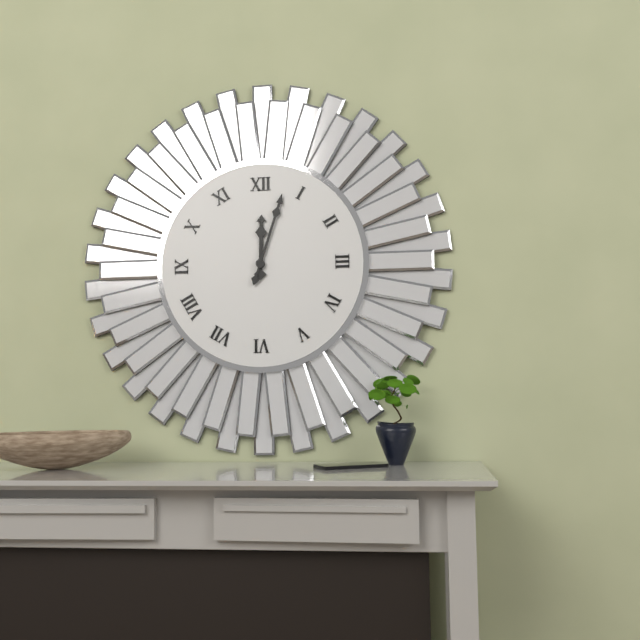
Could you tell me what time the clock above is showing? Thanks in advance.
12:03
